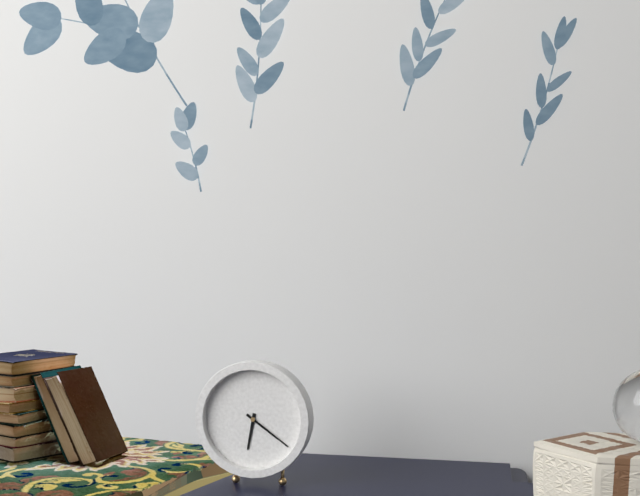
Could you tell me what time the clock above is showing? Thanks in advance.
6:21
